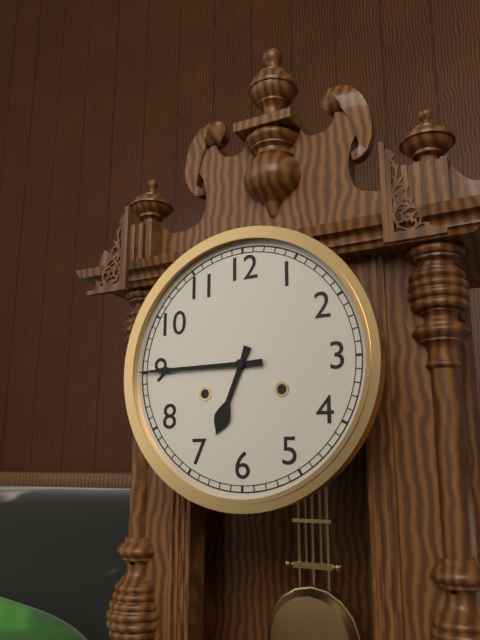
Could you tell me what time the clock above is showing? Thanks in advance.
6:45
